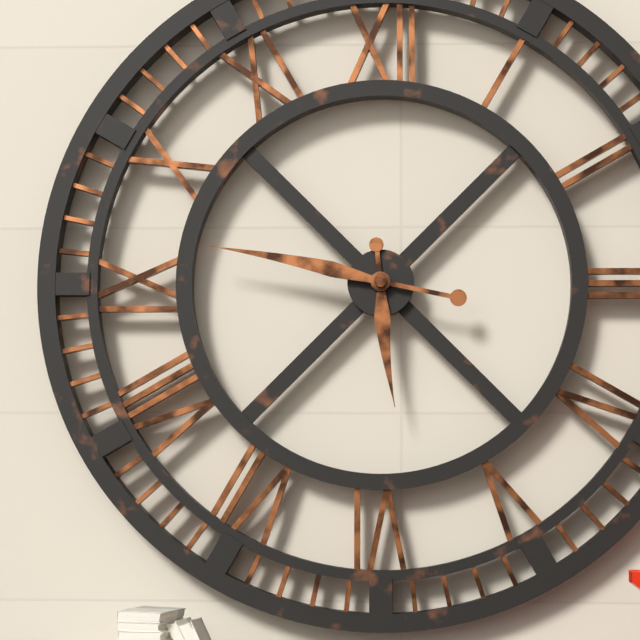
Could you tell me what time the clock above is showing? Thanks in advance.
5:47
